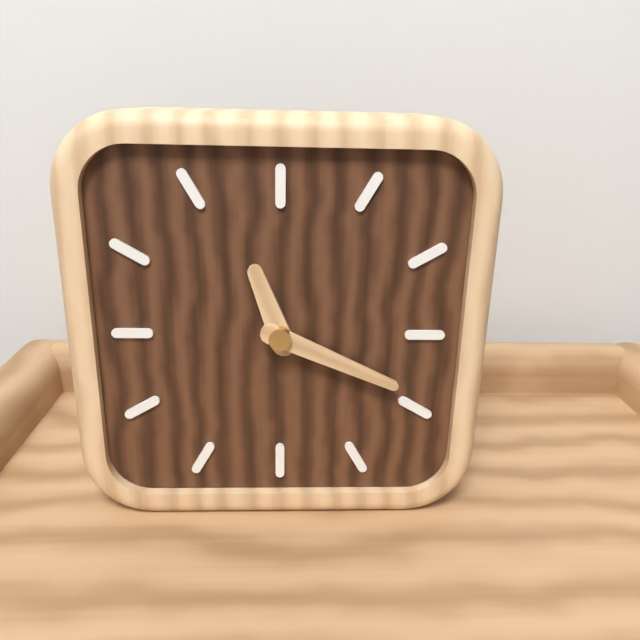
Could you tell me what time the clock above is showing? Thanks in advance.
11:19
